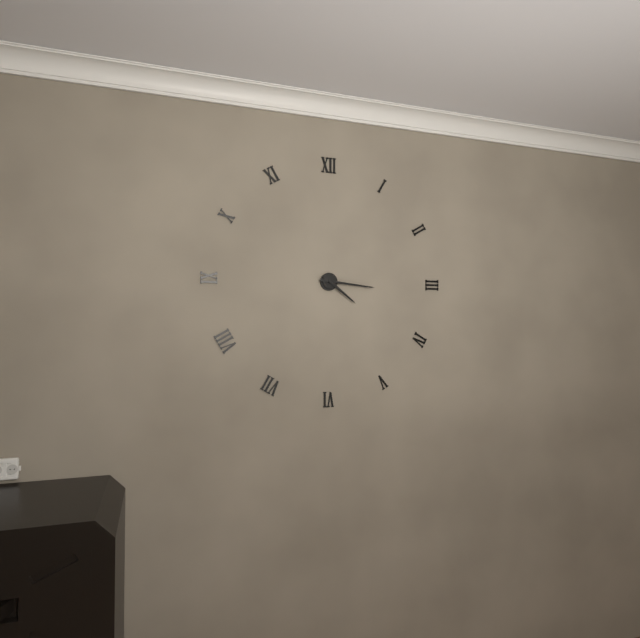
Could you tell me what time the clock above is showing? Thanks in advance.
4:16
